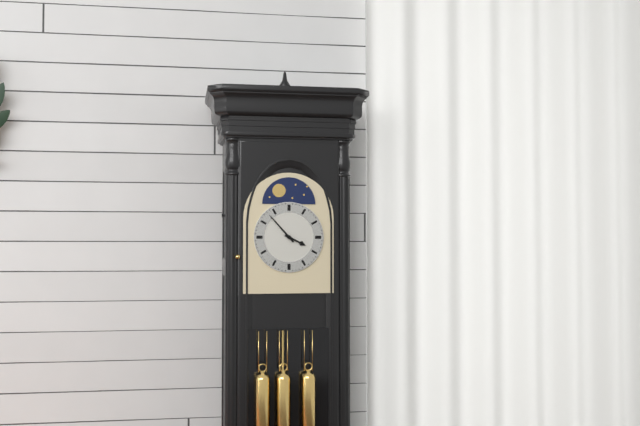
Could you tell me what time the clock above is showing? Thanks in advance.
3:53
